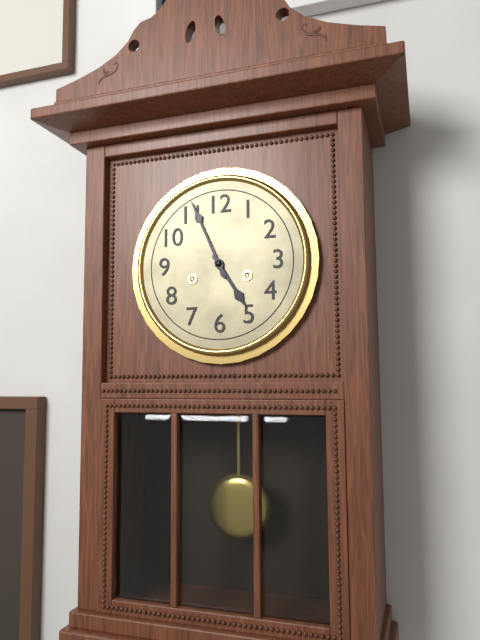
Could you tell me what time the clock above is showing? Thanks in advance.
4:56
